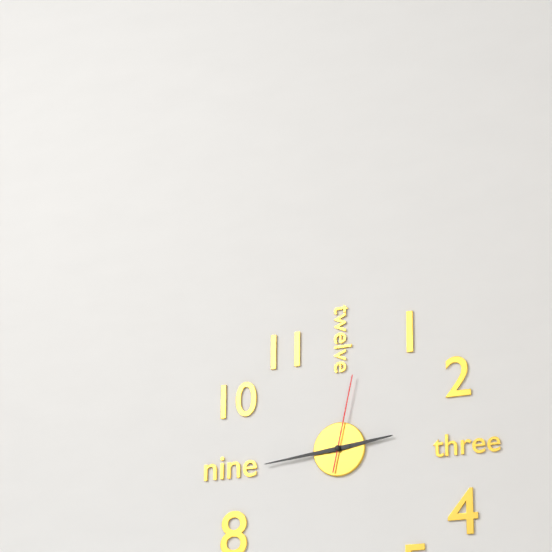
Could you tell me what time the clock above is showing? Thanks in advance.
2:44:02
